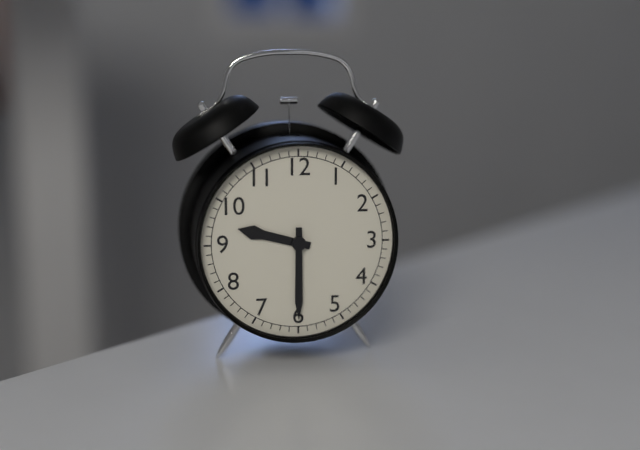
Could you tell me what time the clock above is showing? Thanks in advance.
9:30
